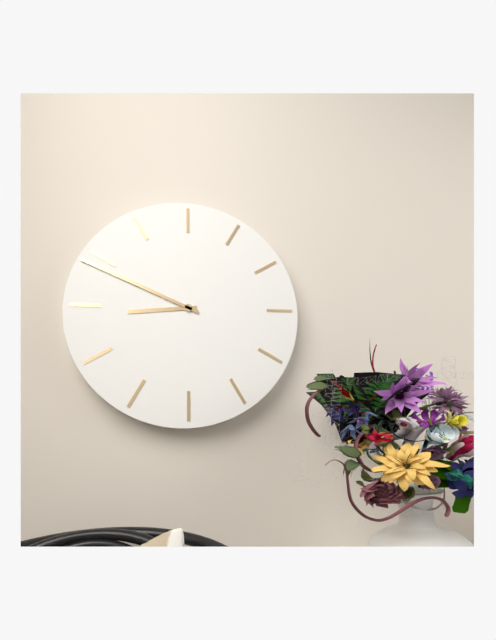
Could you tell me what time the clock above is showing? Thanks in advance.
8:49
